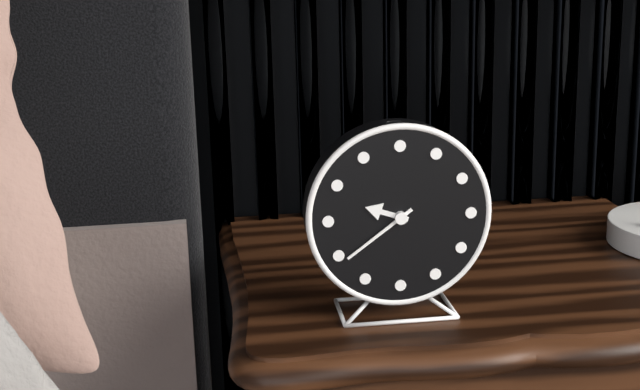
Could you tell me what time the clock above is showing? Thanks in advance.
9:39
